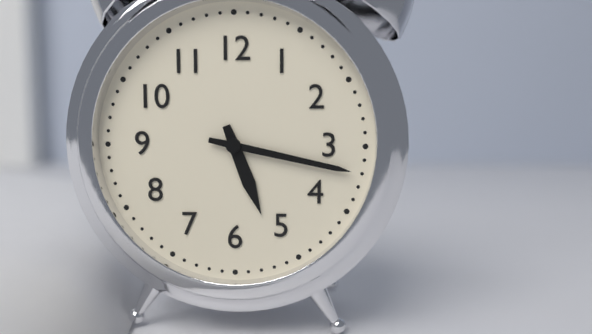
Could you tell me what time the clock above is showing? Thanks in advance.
5:17
